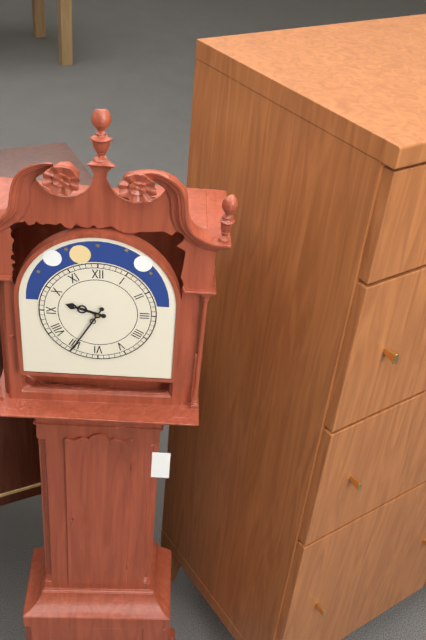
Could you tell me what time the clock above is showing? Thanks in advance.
9:35
